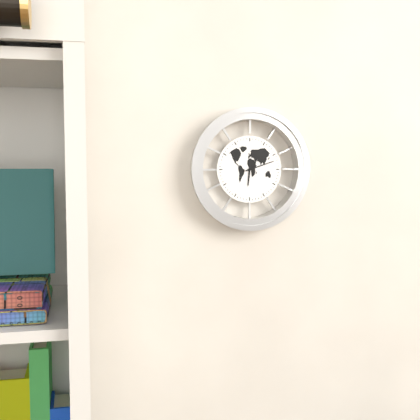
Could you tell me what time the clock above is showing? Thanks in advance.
6:12
